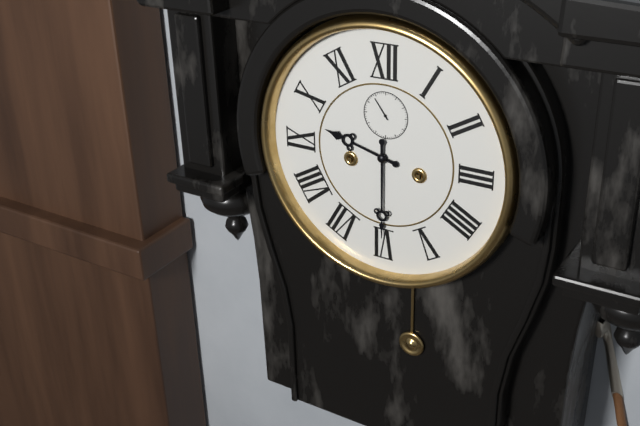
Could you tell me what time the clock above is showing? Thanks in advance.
9:30
